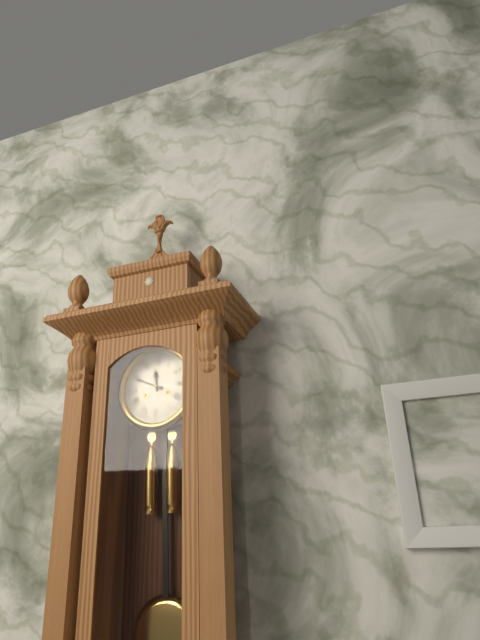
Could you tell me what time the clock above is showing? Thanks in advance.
11:49
